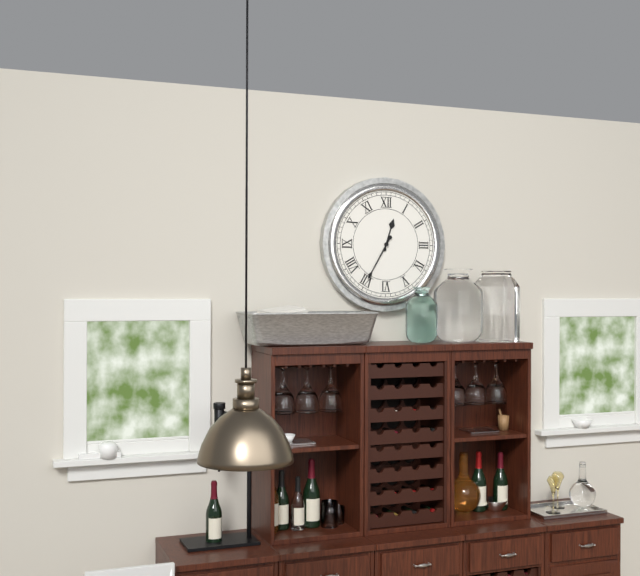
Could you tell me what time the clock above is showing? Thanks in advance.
12:35
